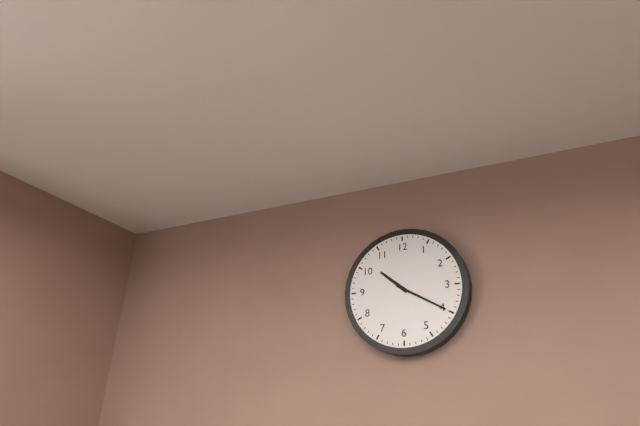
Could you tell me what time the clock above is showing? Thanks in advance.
10:20
